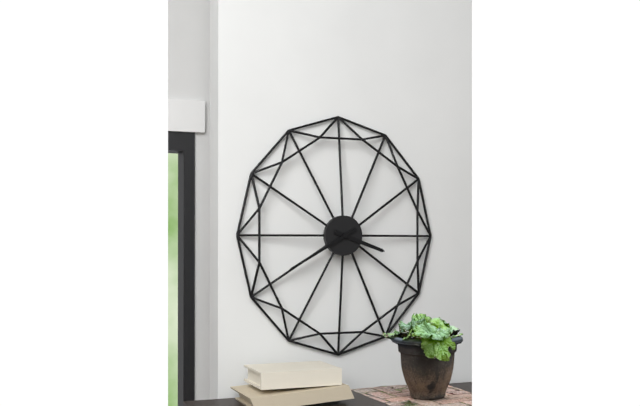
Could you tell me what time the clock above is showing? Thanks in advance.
3:40
